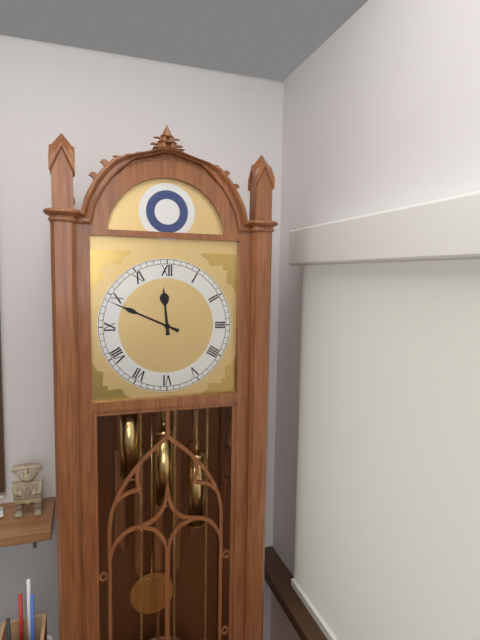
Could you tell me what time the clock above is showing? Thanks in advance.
11:49
